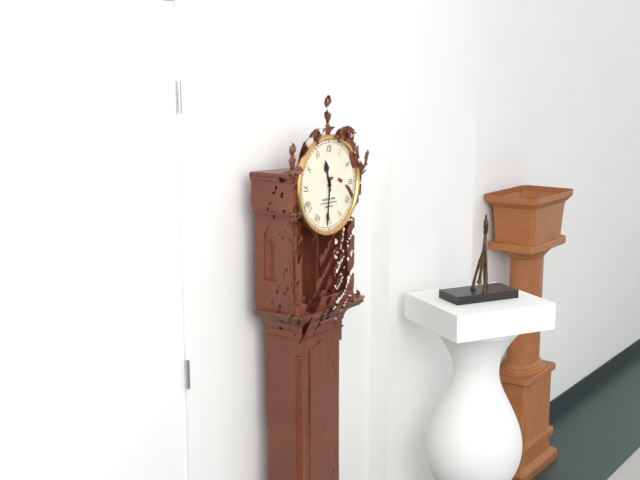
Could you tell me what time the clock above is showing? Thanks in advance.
11:31
